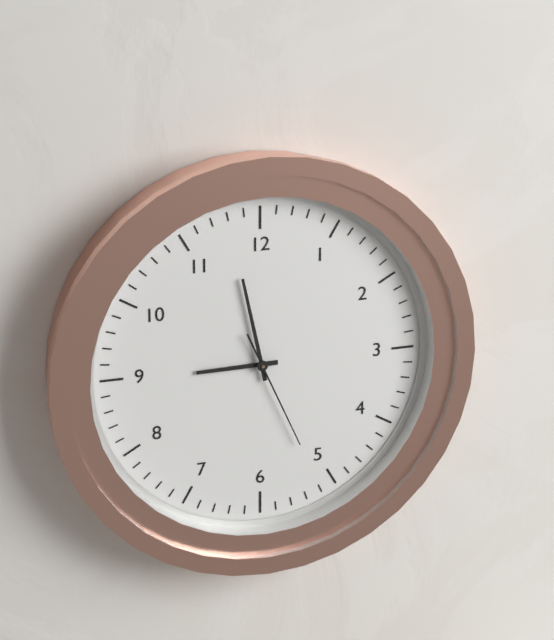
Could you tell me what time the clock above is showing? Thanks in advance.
8:58:26
